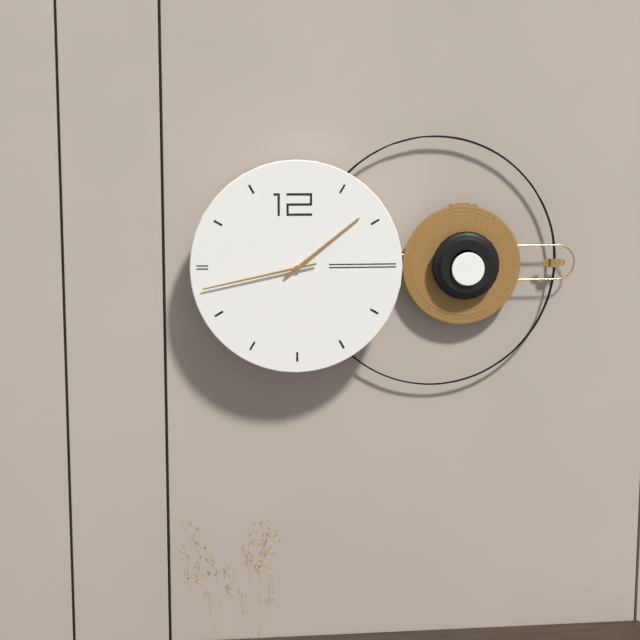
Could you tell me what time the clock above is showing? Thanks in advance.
1:43
